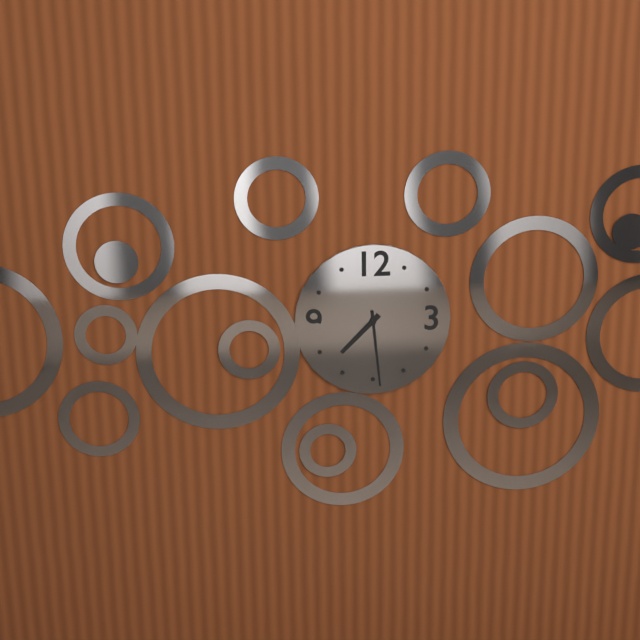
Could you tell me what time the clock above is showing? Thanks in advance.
7:29
